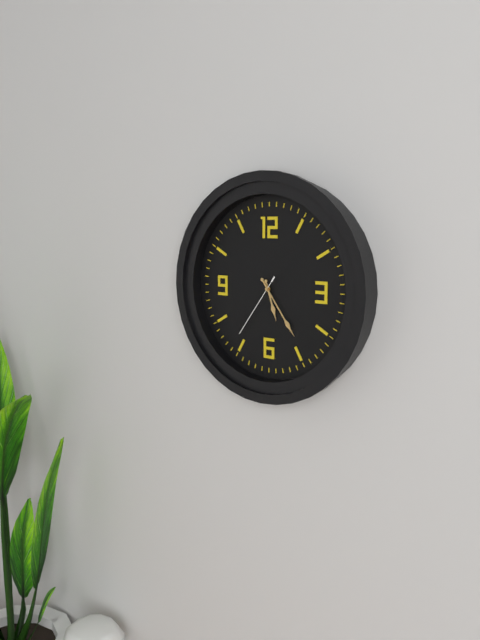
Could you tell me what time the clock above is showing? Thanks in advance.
5:24:36
